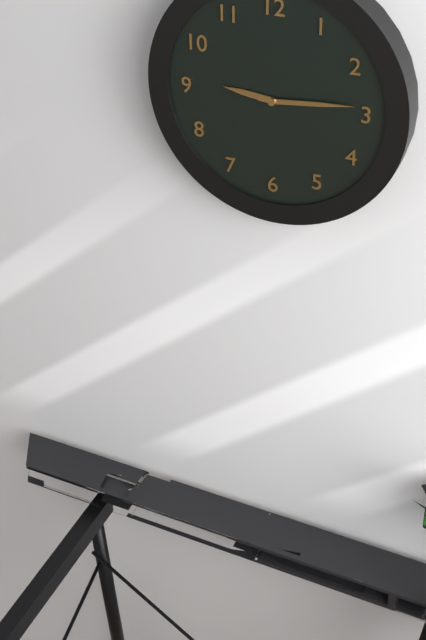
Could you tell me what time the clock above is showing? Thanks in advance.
9:14
